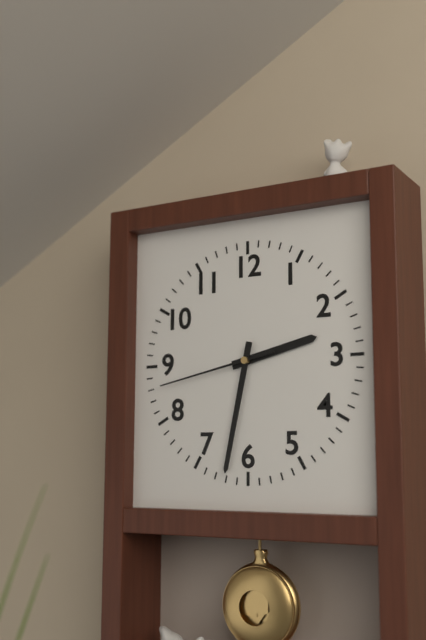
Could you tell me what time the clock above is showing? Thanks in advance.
2:32:43
